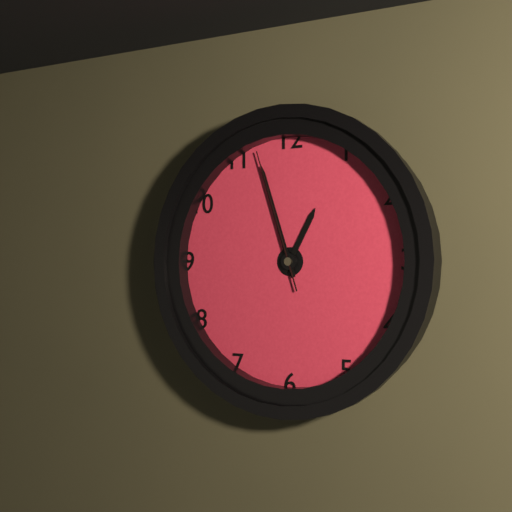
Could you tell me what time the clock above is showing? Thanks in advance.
12:57:57
